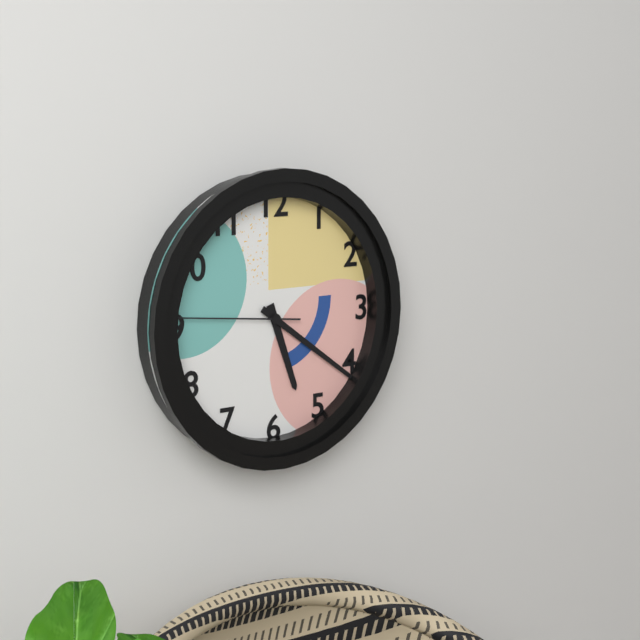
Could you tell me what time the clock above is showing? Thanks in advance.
5:21:46
